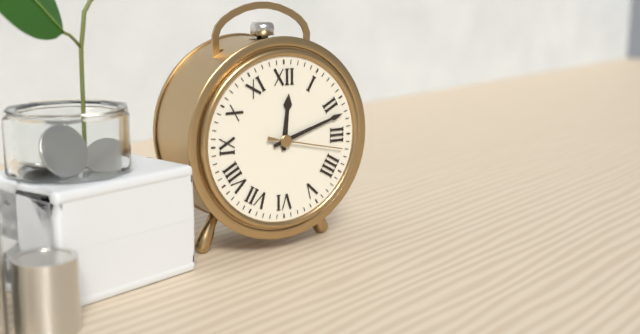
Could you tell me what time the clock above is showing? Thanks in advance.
12:12:17
